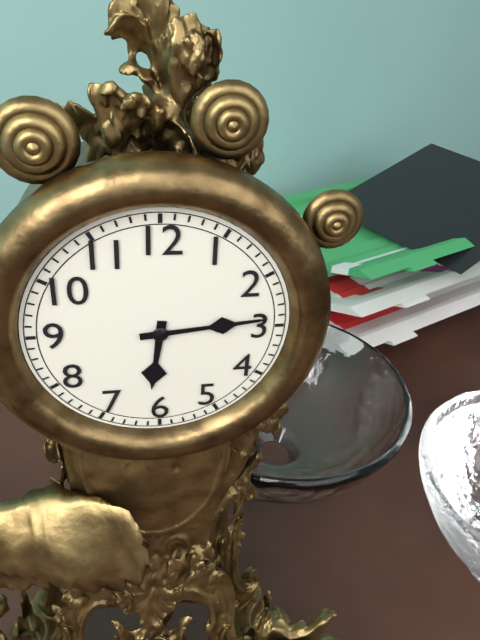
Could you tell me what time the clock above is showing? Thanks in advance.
6:14
